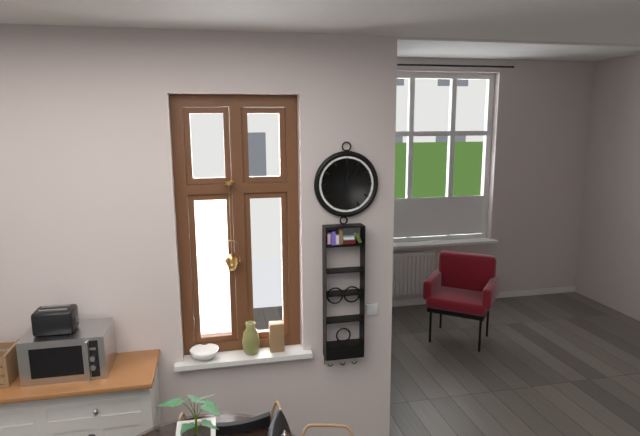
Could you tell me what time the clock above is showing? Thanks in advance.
12:06
